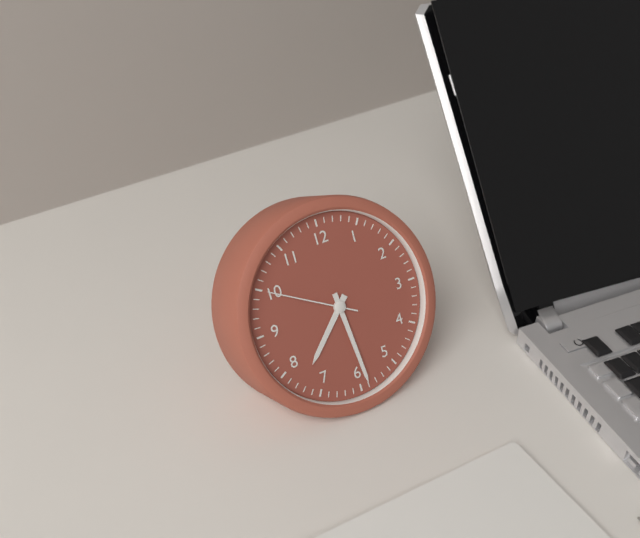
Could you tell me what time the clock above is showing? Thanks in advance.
7:29:50
